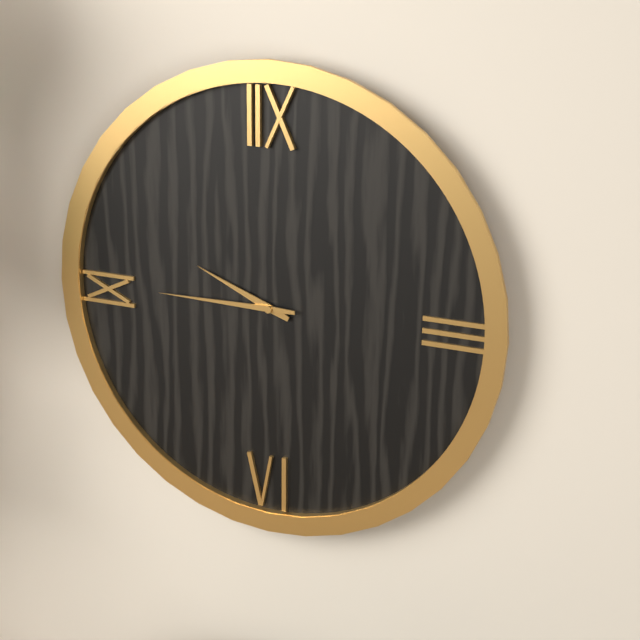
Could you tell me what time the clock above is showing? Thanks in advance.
9:45
